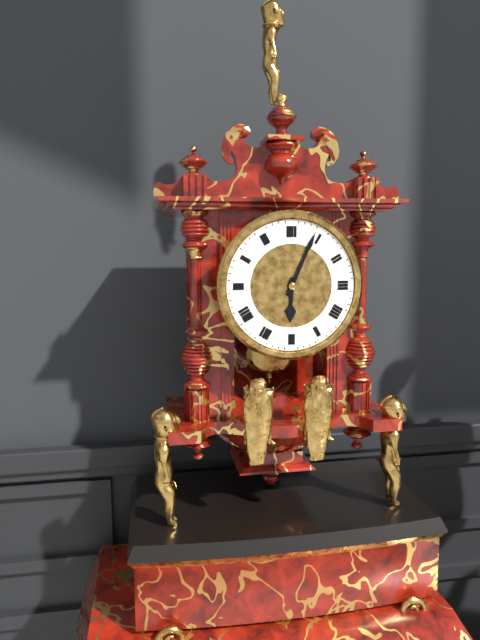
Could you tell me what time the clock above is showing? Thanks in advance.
6:04
